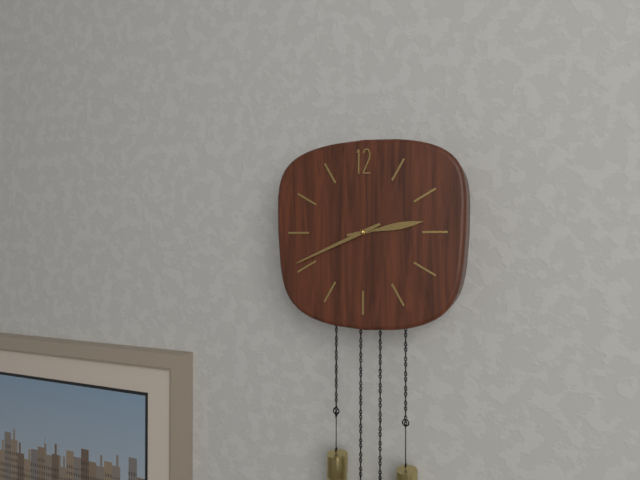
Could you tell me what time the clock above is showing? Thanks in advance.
2:41
